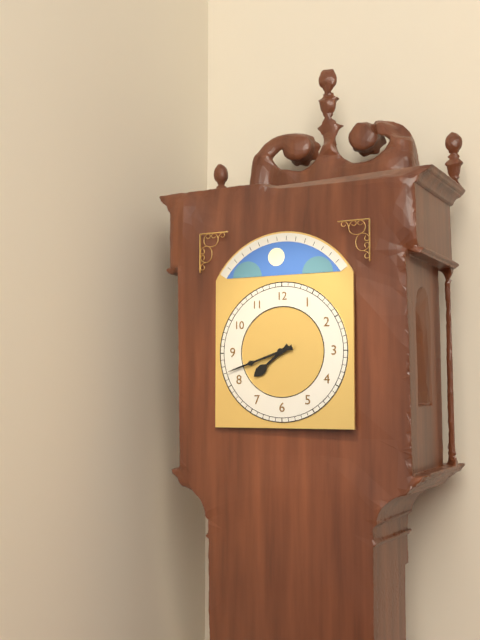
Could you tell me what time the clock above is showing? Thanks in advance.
7:42
